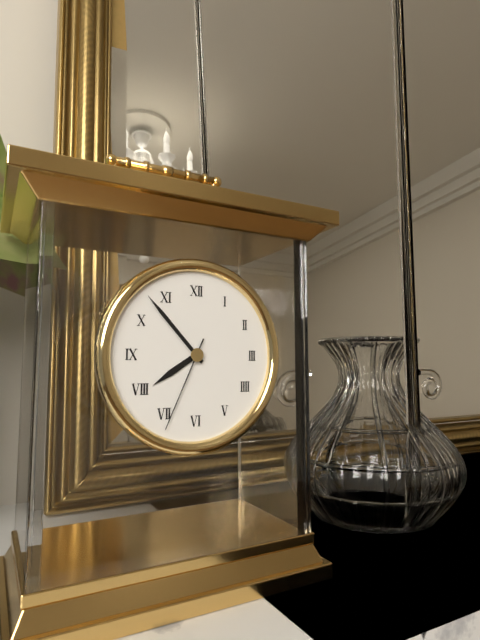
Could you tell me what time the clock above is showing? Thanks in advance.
7:53:34
